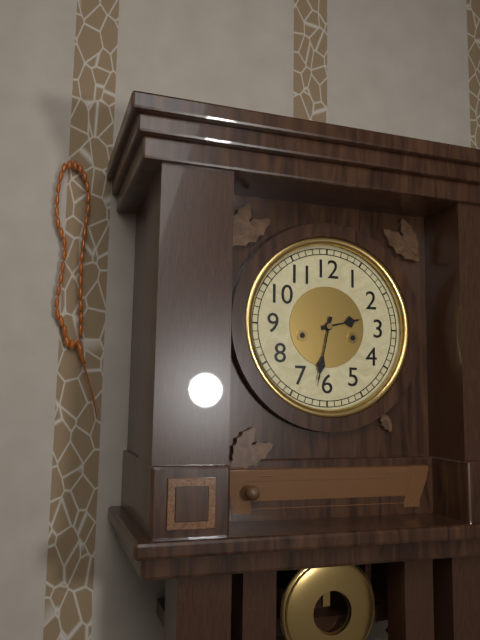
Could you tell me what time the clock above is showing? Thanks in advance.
2:32
